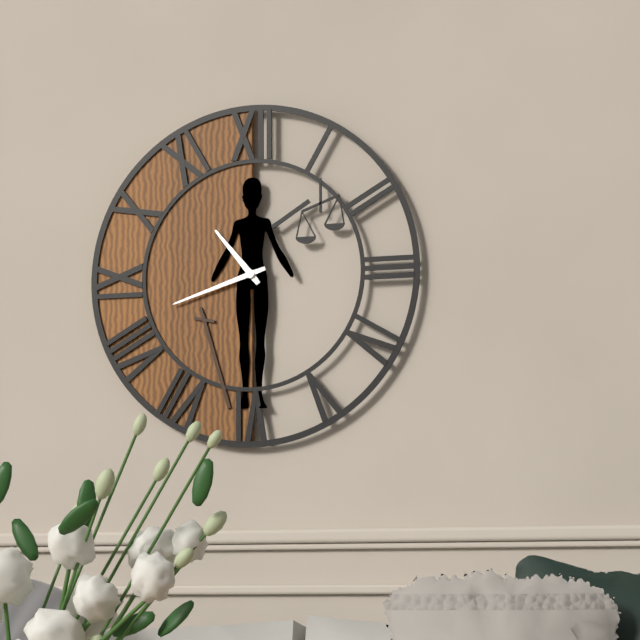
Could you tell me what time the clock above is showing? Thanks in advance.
10:42
